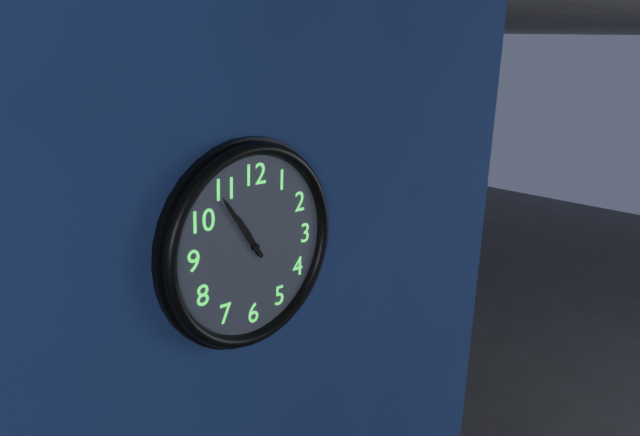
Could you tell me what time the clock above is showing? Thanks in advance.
10:54
